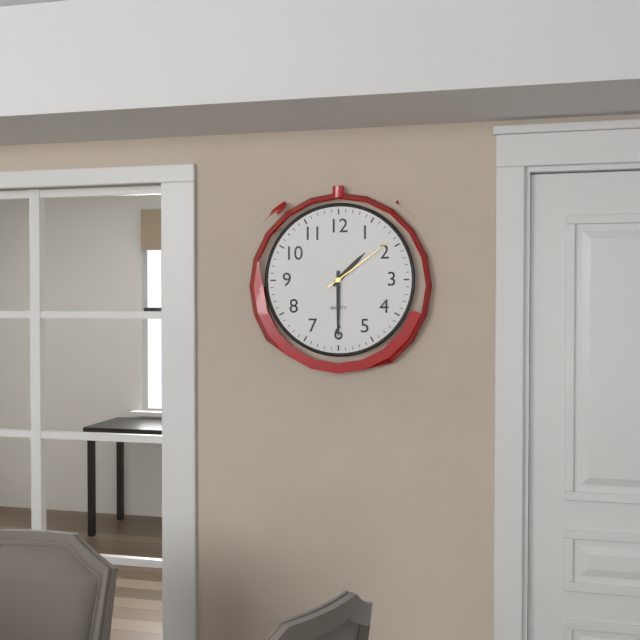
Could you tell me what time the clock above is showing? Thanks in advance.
1:30:09
